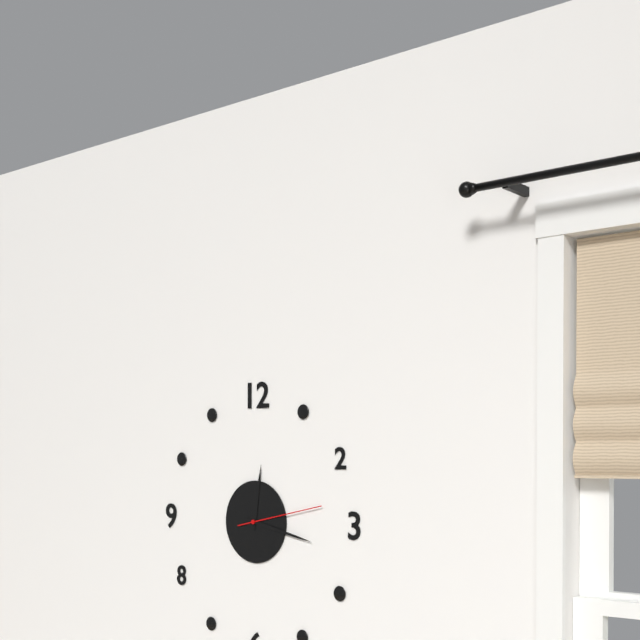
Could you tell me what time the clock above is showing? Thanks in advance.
12:17:13
